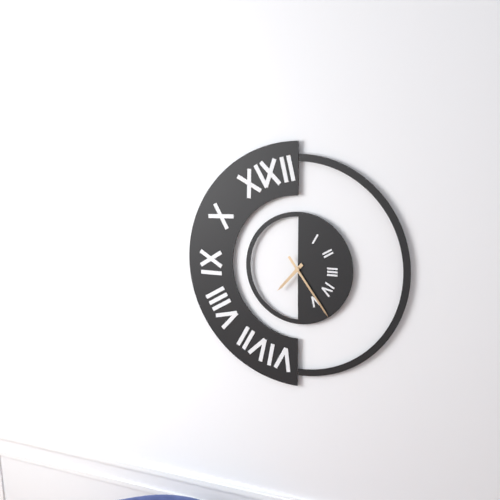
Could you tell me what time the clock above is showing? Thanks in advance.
7:24
